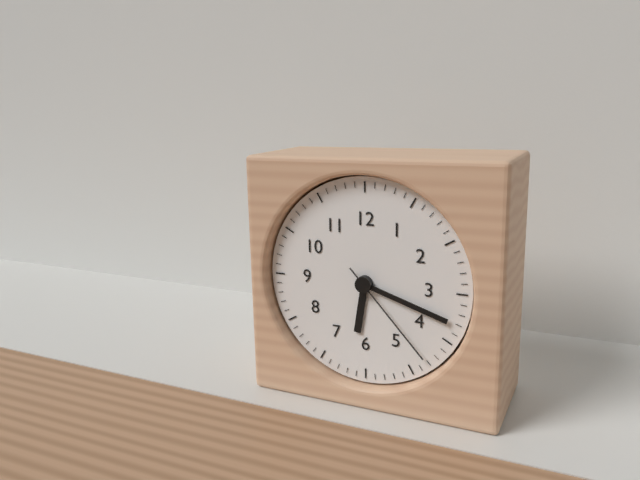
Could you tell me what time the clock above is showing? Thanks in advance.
6:18:23
